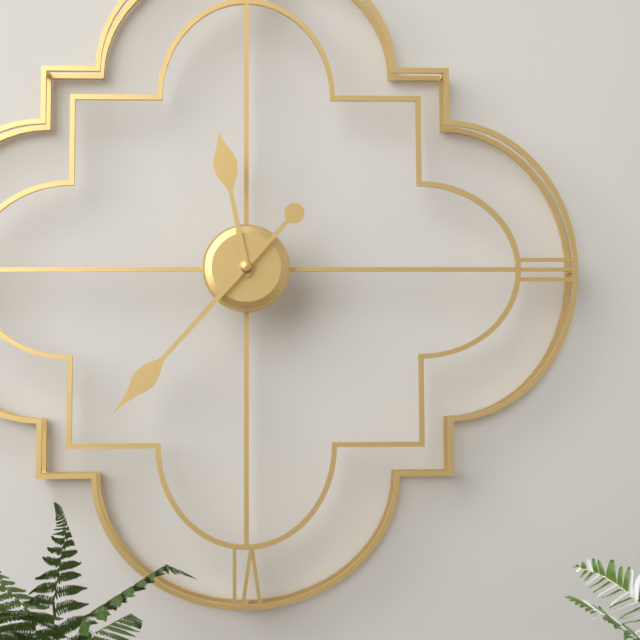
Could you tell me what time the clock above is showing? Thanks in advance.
11:37
